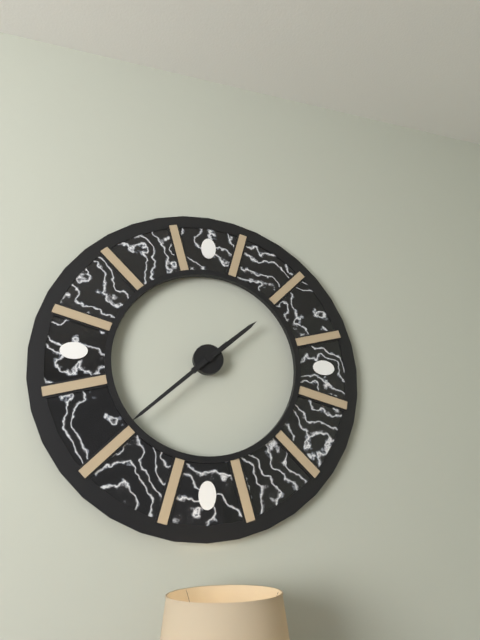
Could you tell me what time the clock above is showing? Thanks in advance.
1:38
